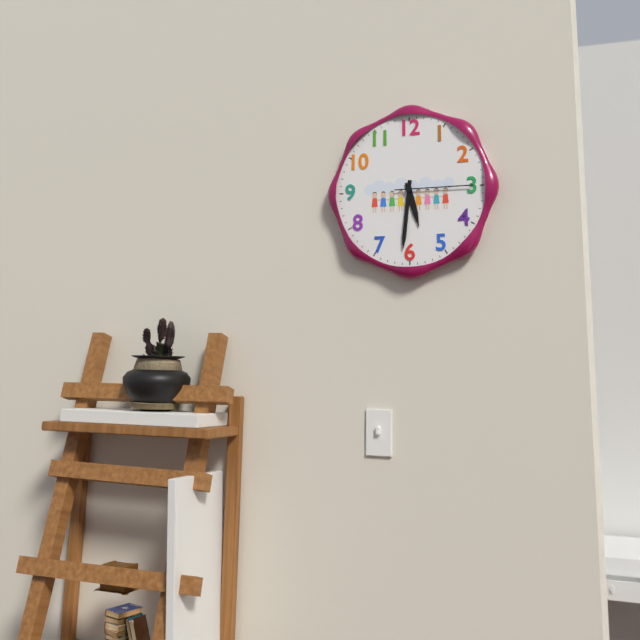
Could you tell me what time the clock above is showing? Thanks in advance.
5:31:15
